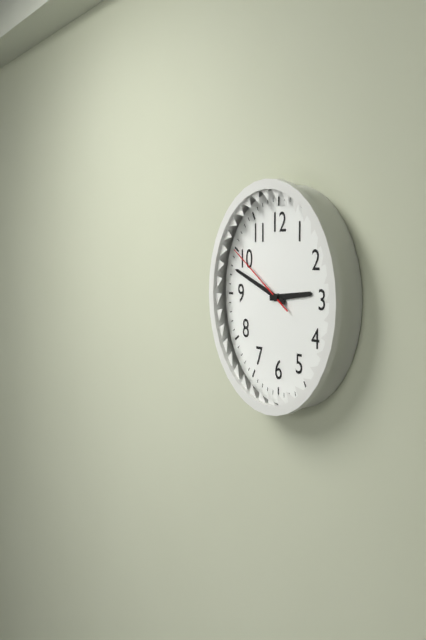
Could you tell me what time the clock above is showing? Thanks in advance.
2:48:50
